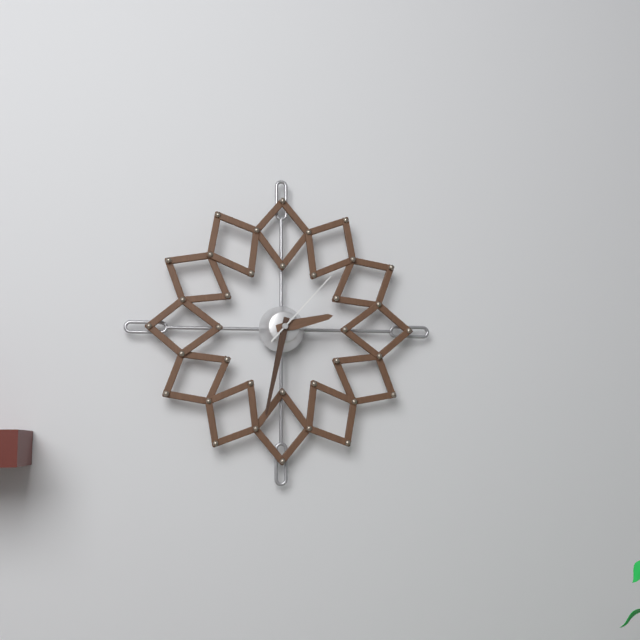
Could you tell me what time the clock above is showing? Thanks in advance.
2:32:07
